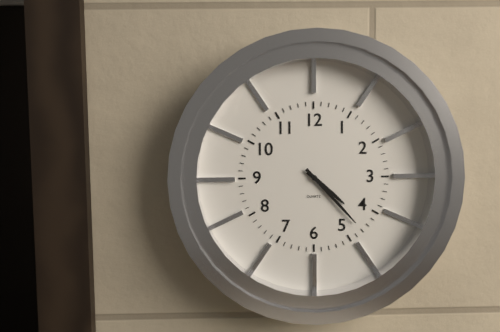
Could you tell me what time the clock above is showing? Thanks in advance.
4:23
